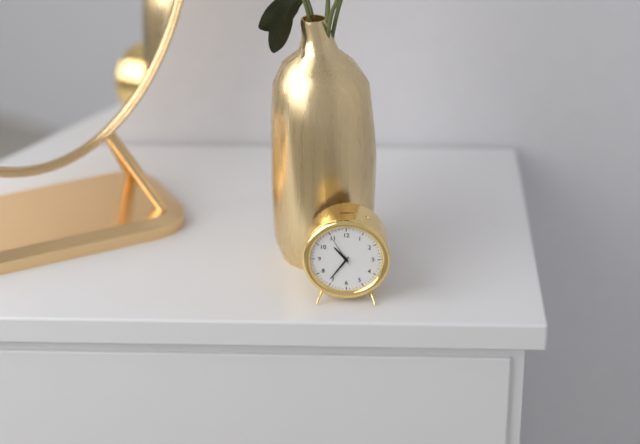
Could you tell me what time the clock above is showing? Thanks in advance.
10:36
